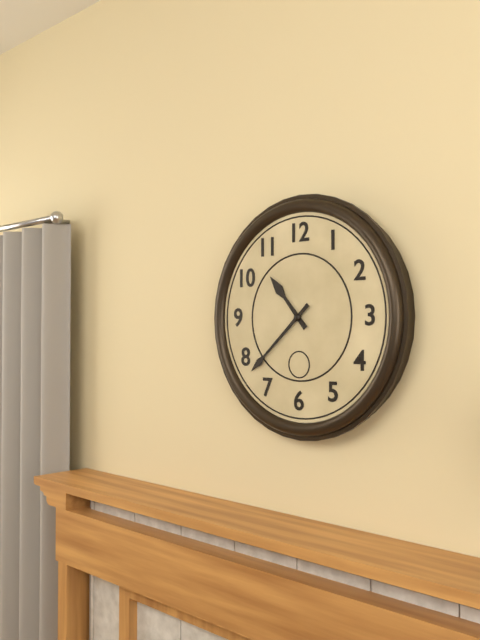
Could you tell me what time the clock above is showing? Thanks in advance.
10:38
